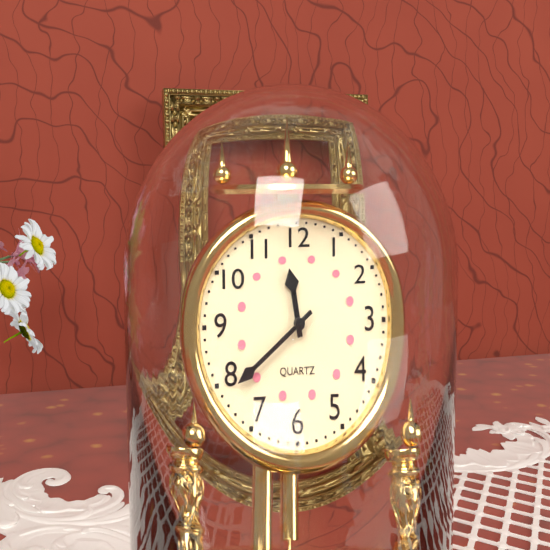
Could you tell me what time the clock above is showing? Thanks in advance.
11:39
